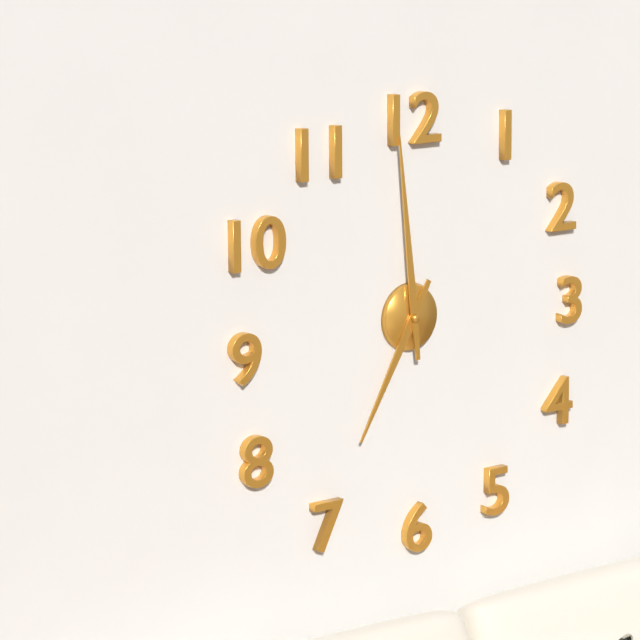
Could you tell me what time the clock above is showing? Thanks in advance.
6:59
